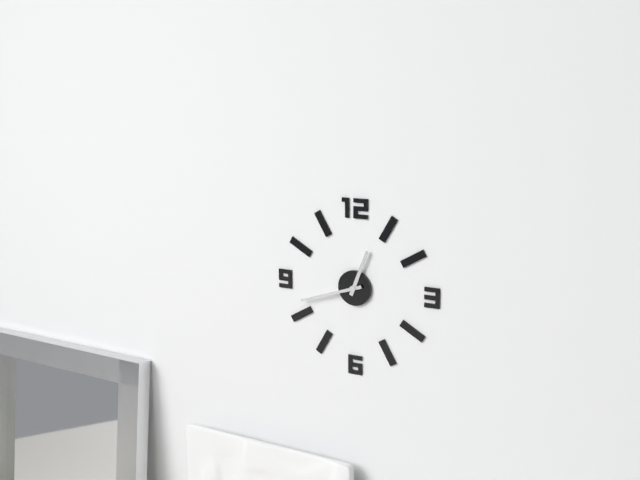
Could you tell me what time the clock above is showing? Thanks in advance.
12:42
